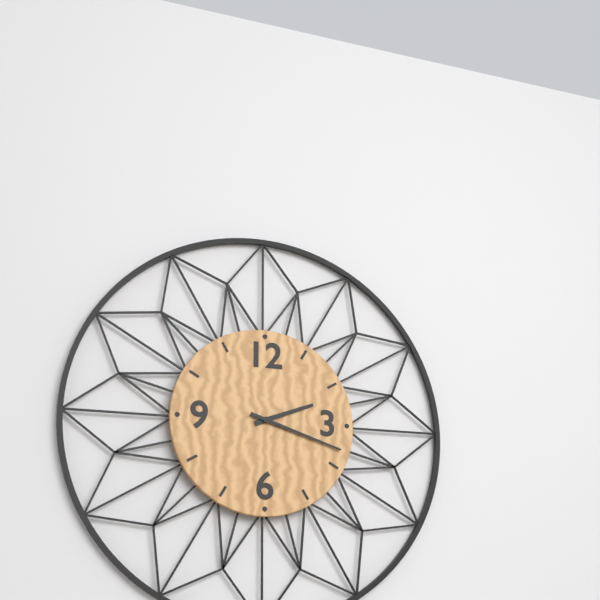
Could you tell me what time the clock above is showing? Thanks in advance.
2:18
